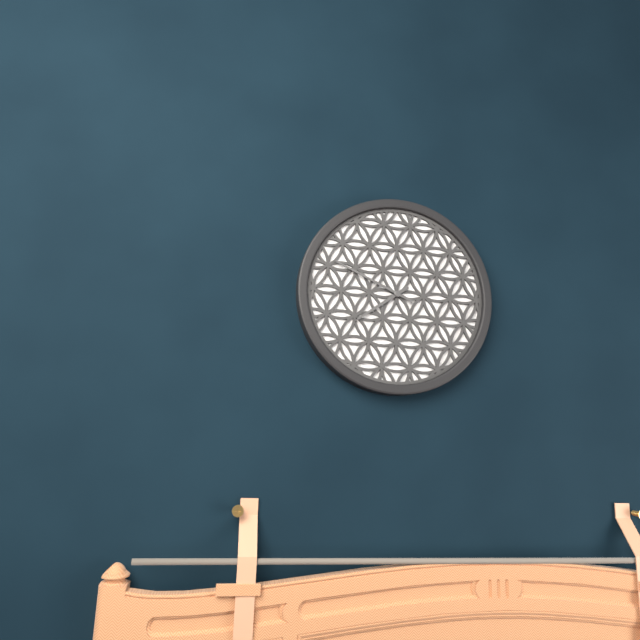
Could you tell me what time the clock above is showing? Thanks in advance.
7:49
